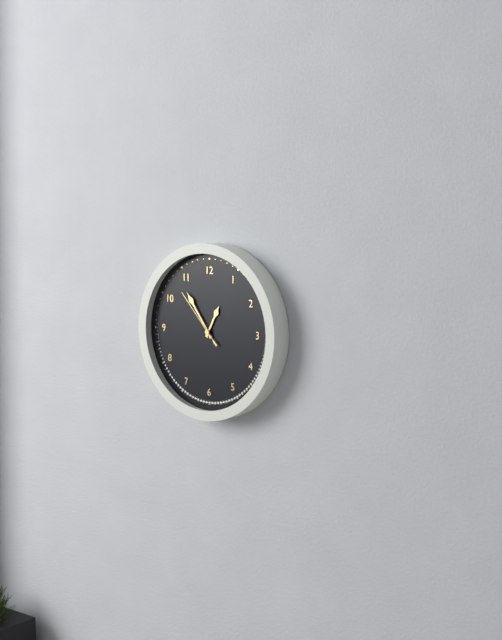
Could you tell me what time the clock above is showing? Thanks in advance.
12:54:53
